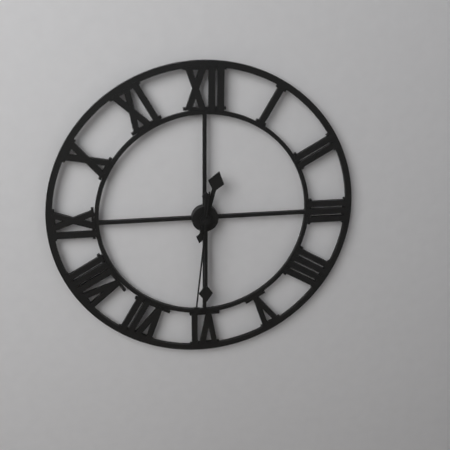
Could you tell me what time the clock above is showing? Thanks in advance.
12:30:31
